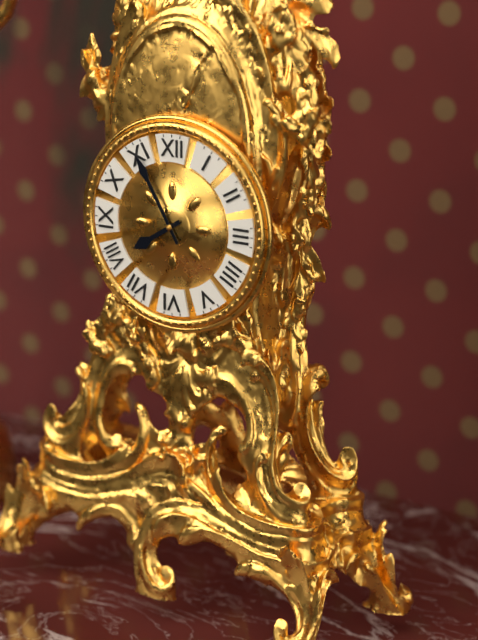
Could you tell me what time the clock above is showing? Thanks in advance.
7:55
